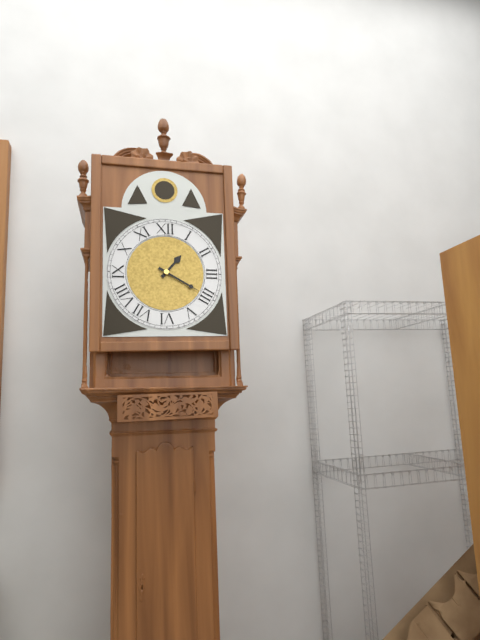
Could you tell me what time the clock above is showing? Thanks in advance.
1:20
